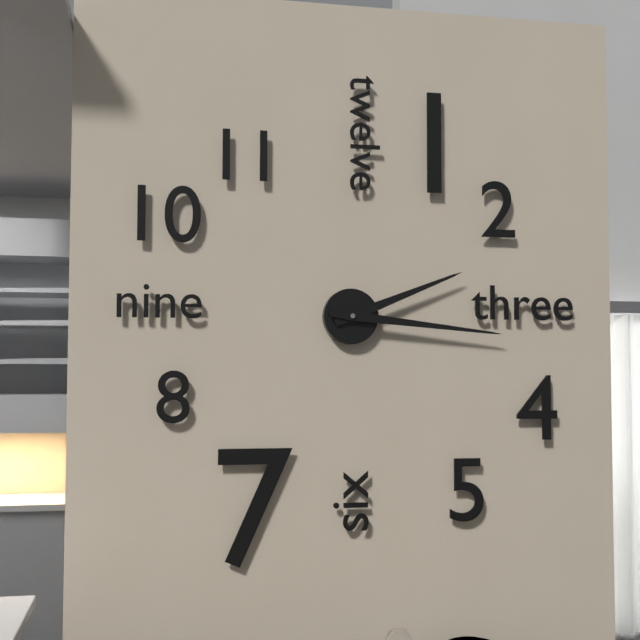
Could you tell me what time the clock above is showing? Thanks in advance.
2:16
